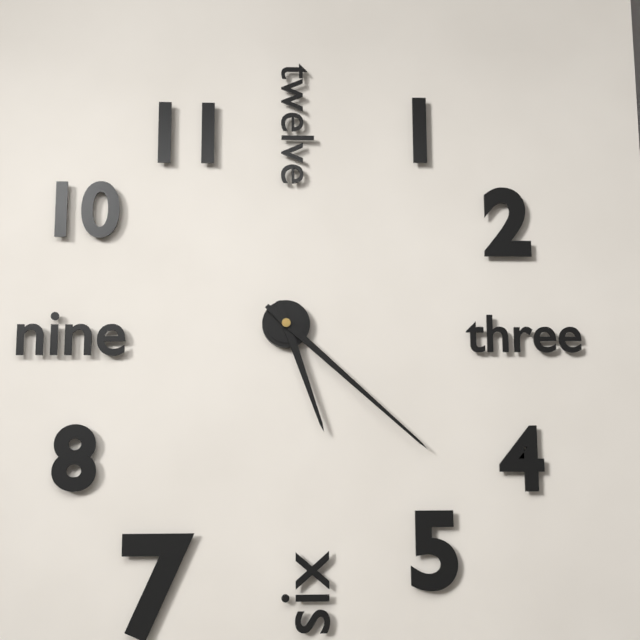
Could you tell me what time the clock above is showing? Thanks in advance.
5:22
